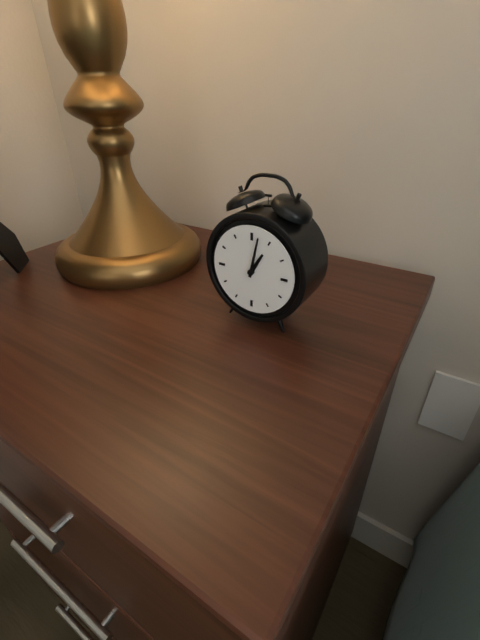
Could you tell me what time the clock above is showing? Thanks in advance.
1:02
